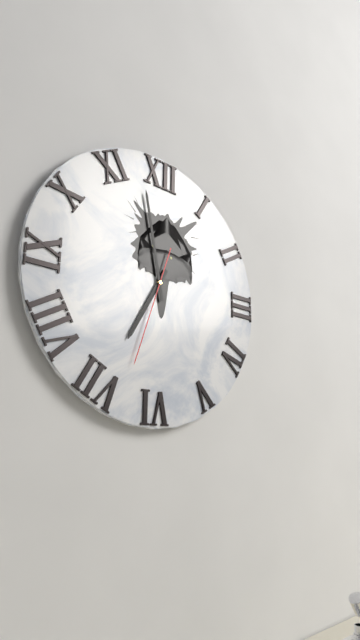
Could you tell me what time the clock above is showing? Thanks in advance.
6:58:33
